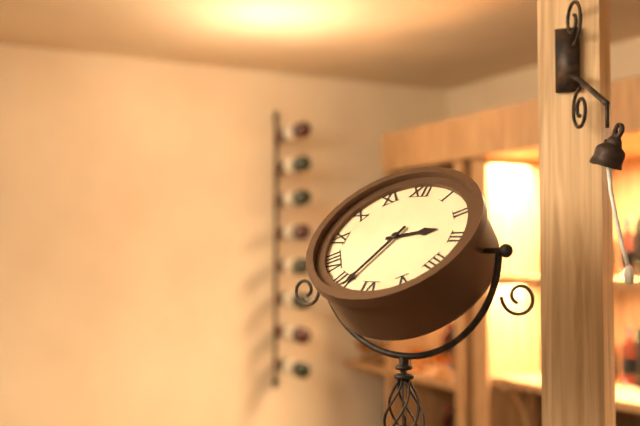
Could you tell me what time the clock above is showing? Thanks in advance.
2:34
